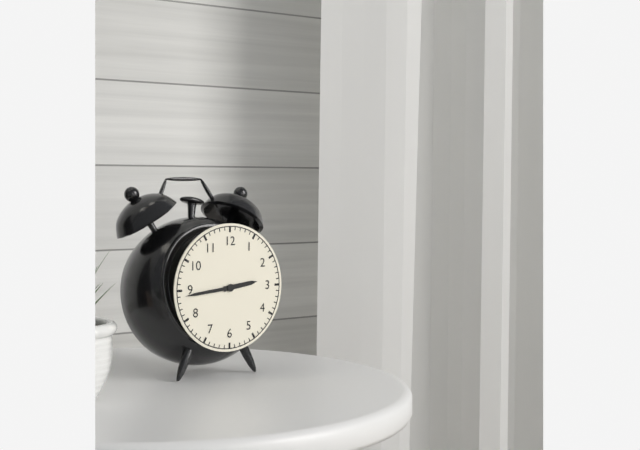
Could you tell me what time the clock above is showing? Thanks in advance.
2:44
